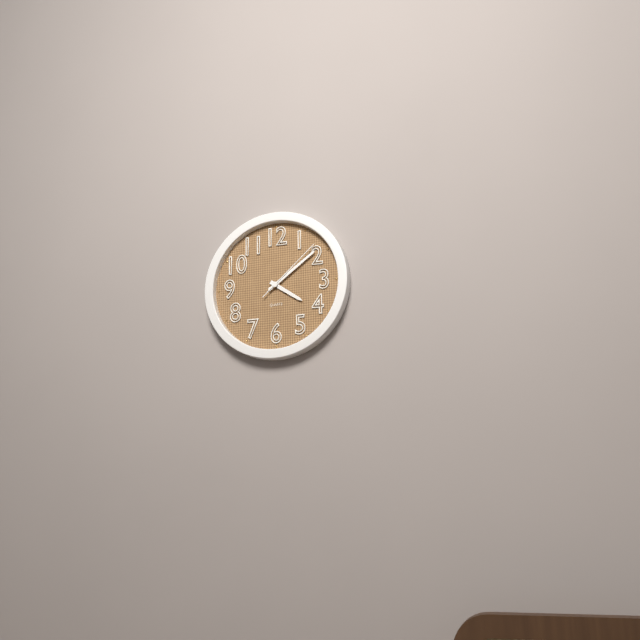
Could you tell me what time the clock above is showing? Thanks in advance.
4:09:08
